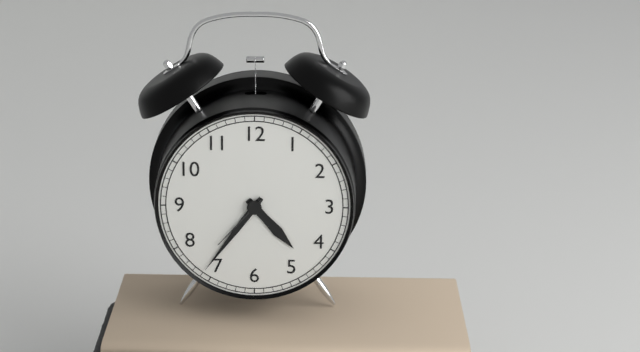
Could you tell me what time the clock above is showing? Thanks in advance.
4:36:37
